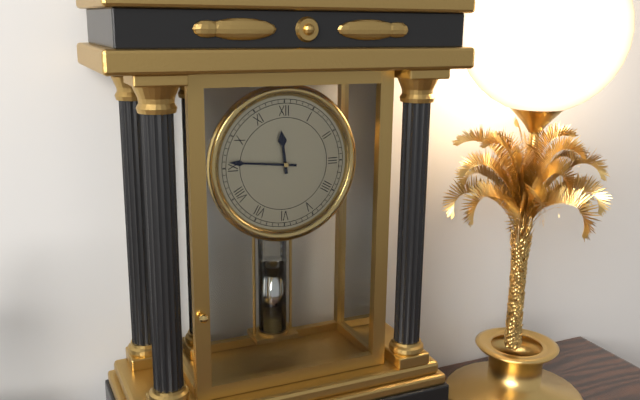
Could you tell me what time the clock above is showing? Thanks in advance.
11:46
